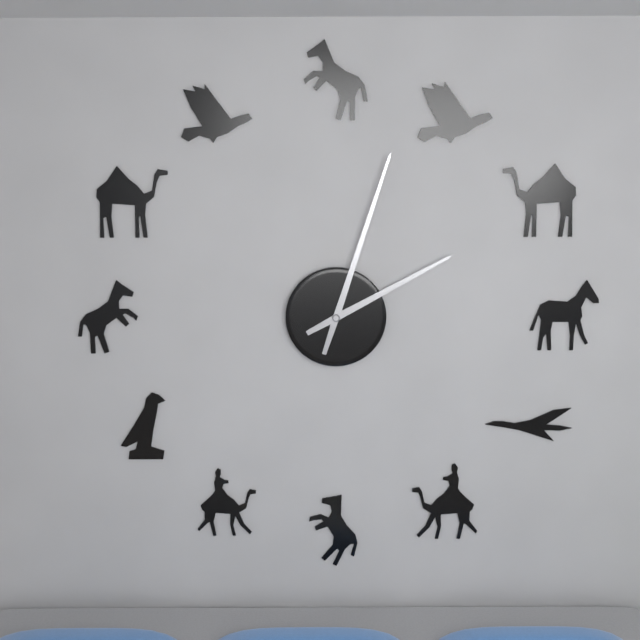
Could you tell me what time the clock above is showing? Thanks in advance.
2:03
